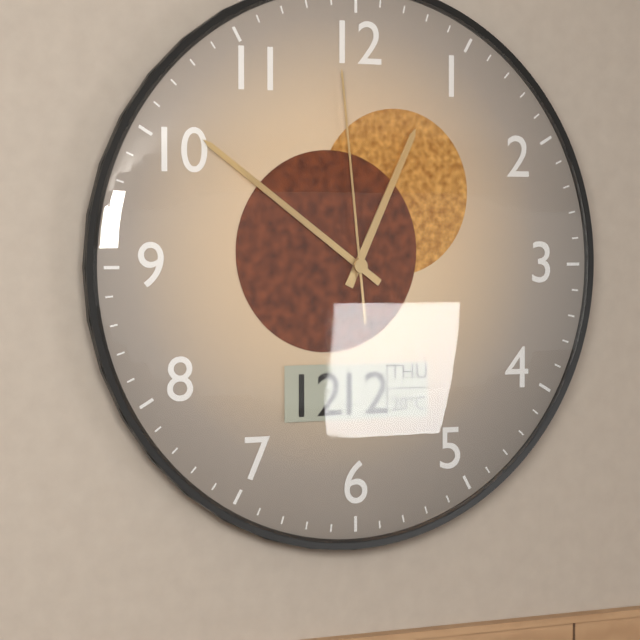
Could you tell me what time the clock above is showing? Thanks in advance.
12:51:59
